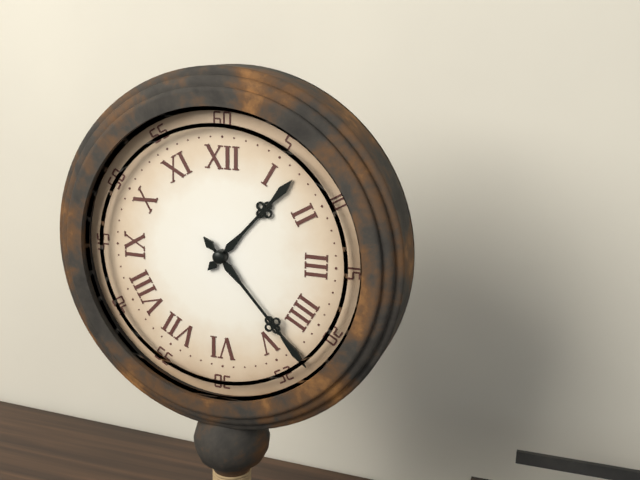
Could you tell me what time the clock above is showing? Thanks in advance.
1:23
